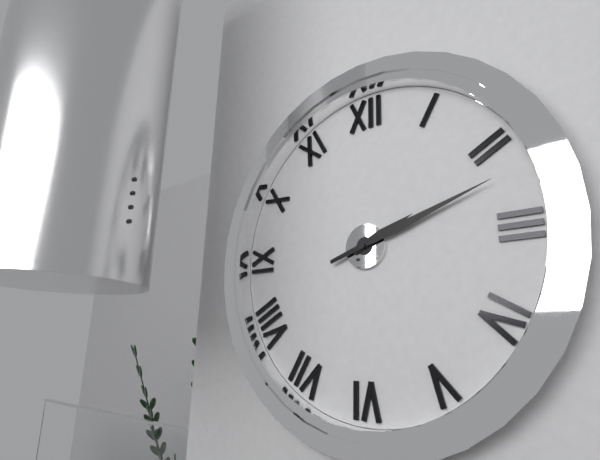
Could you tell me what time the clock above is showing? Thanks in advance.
2:12
